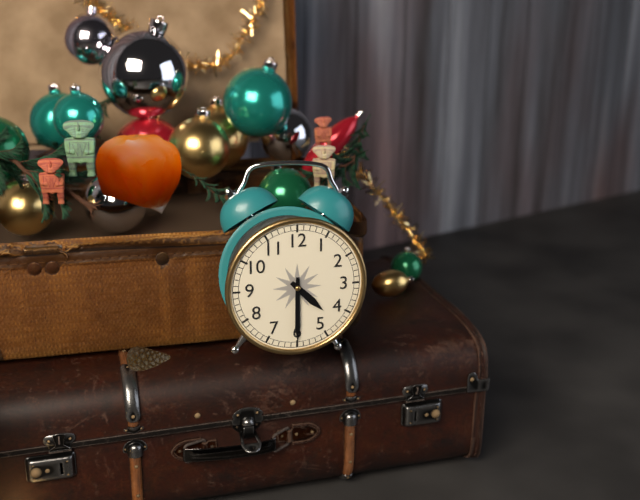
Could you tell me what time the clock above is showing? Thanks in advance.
4:30
